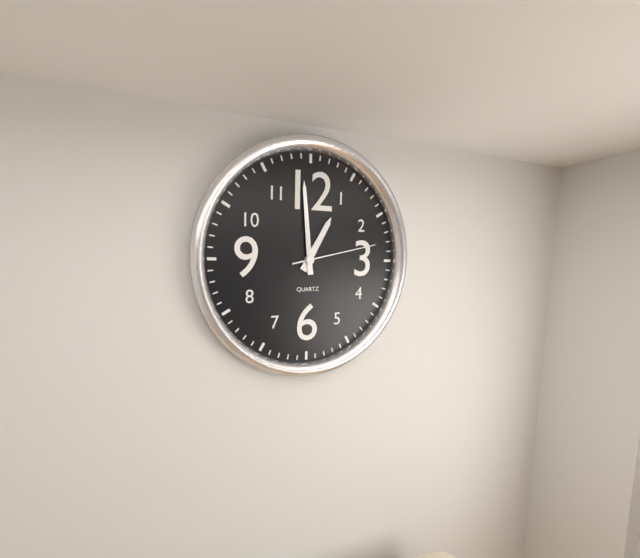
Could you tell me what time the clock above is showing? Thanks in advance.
12:59:13
